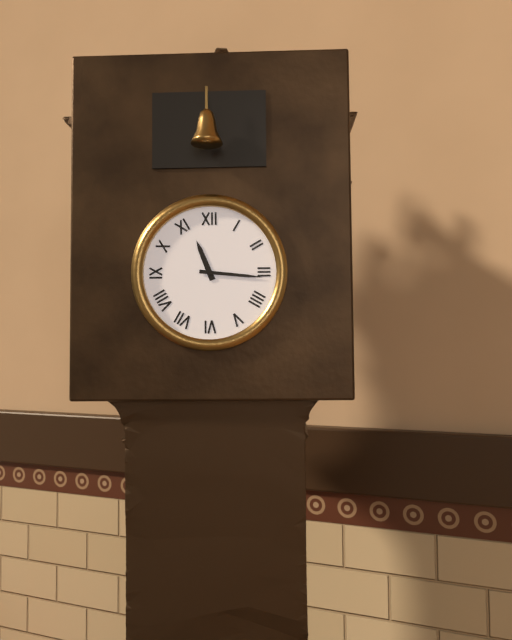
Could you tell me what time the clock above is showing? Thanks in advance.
11:16
